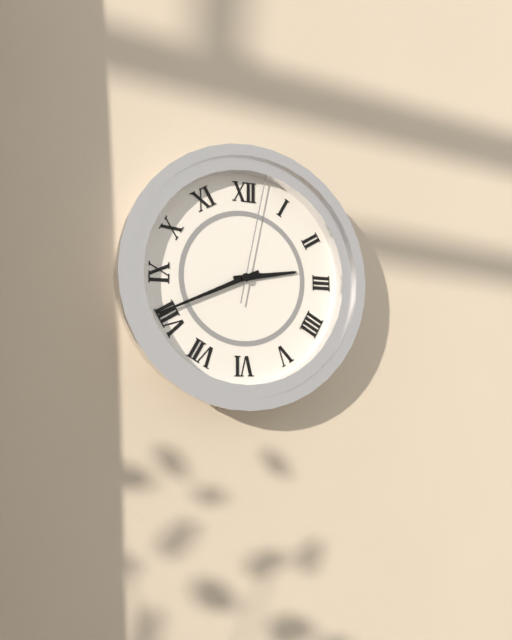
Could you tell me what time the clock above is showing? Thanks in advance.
2:41:02
